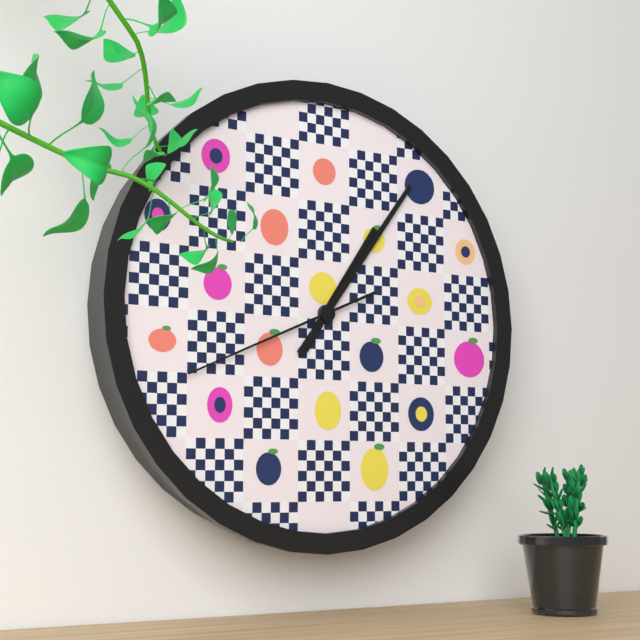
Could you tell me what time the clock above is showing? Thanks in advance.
1:06:41
